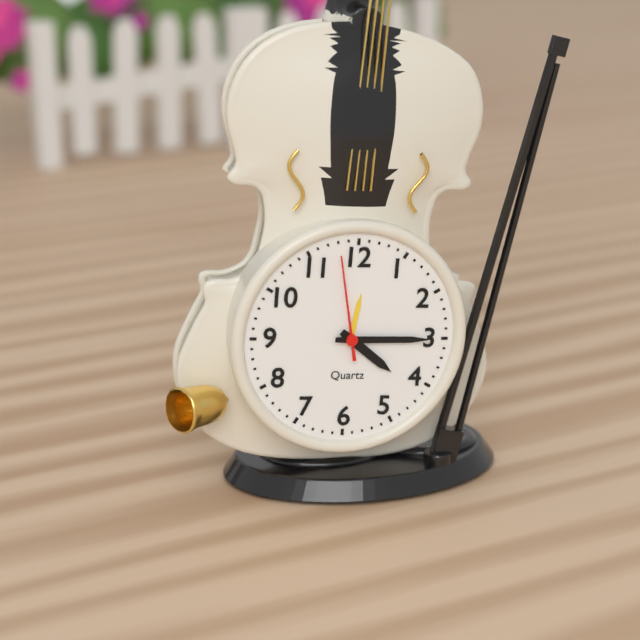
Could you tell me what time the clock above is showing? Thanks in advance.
4:15:58
